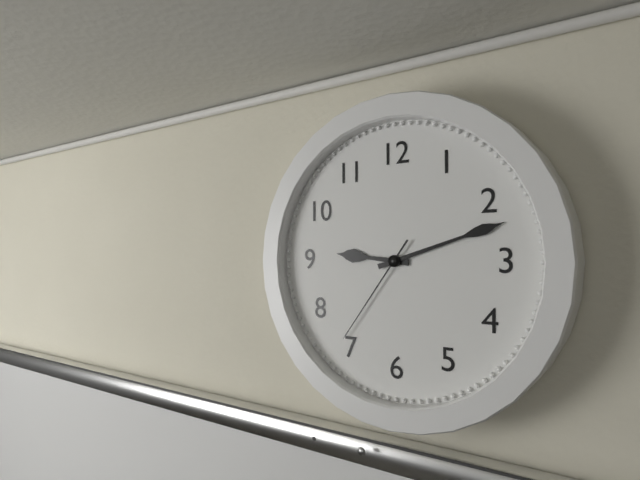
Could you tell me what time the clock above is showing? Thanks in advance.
9:12:36
